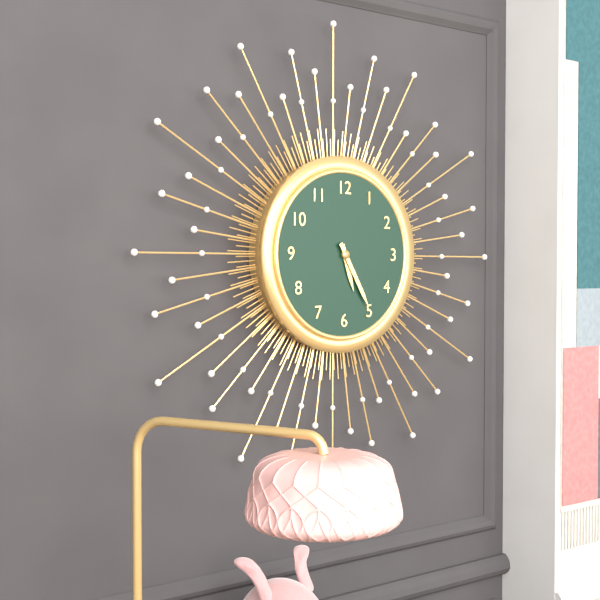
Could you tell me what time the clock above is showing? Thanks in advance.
5:25
